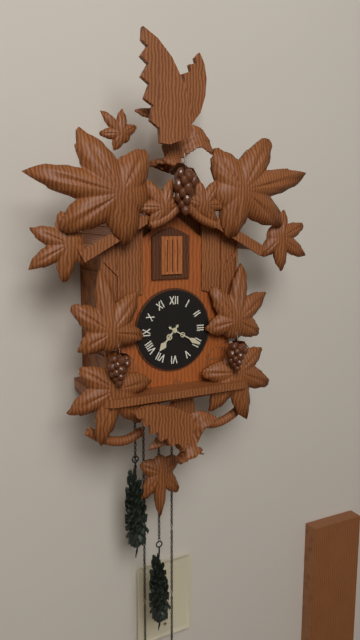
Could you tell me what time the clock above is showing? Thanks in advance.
7:20
